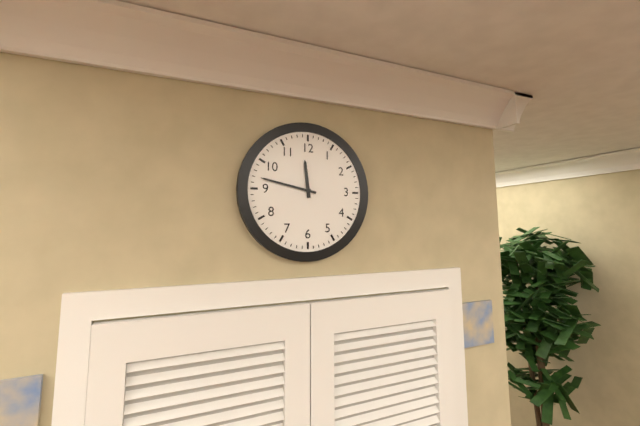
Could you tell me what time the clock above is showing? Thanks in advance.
11:47
